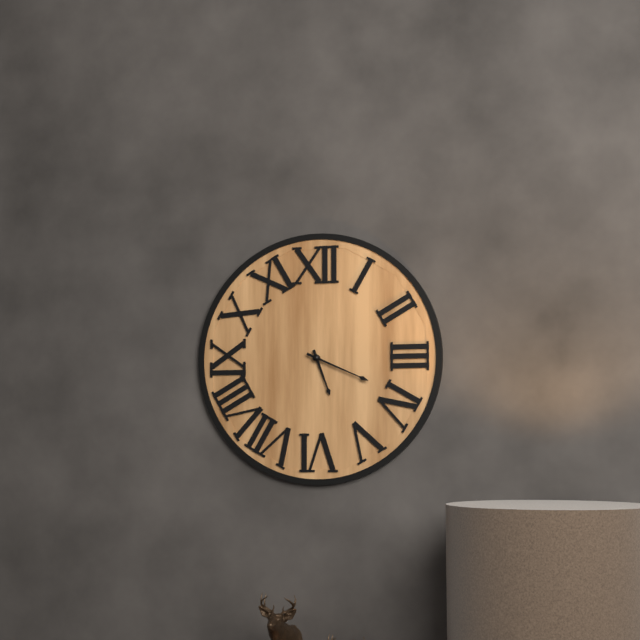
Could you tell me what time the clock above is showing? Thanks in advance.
5:19
